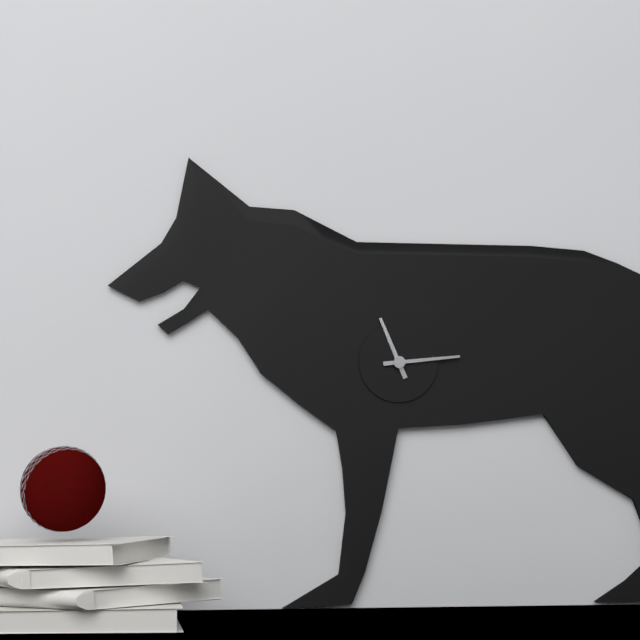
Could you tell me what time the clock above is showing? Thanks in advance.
11:14
